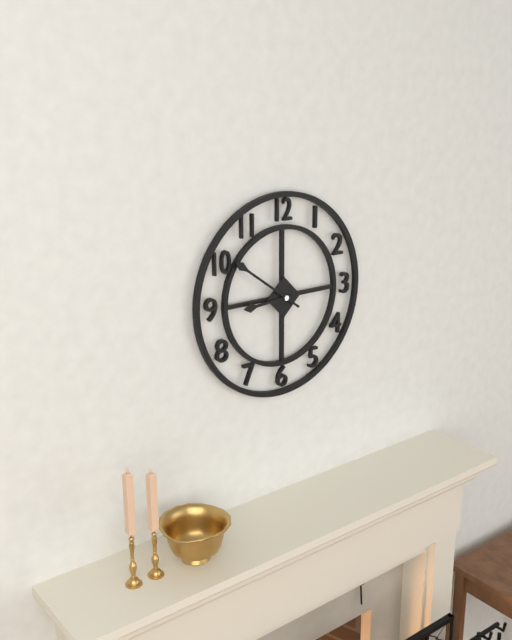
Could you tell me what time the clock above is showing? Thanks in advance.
8:51
